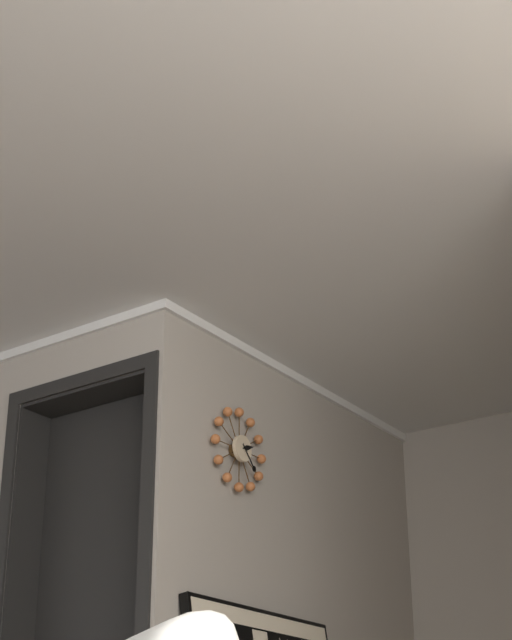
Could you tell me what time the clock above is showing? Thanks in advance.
2:23
